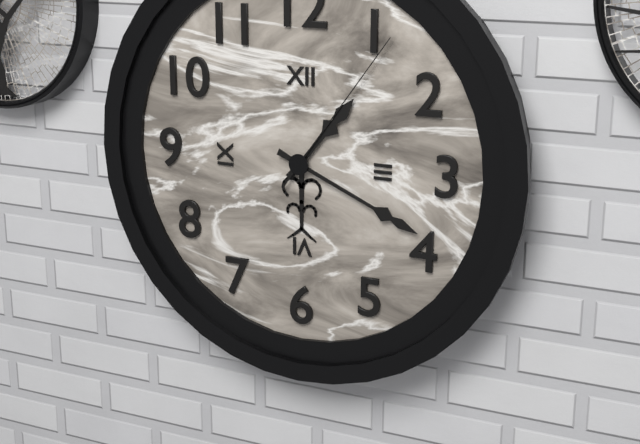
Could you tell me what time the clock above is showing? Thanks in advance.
1:19:06
